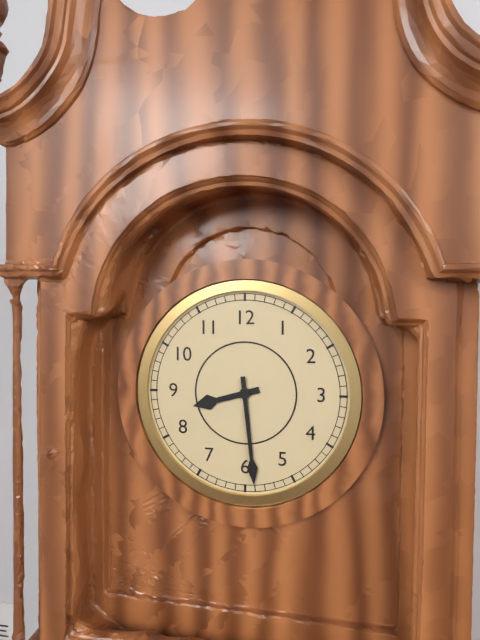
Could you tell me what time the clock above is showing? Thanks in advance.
8:29
